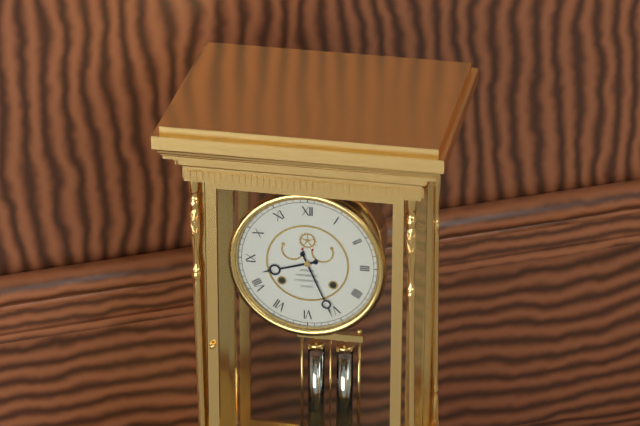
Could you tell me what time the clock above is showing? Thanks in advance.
8:26
